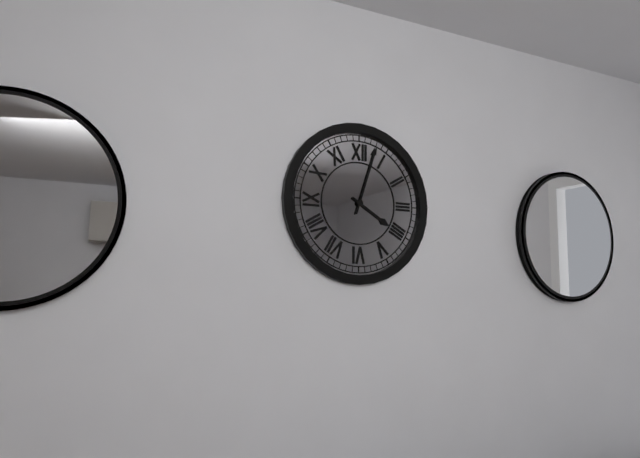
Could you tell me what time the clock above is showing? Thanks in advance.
4:03
